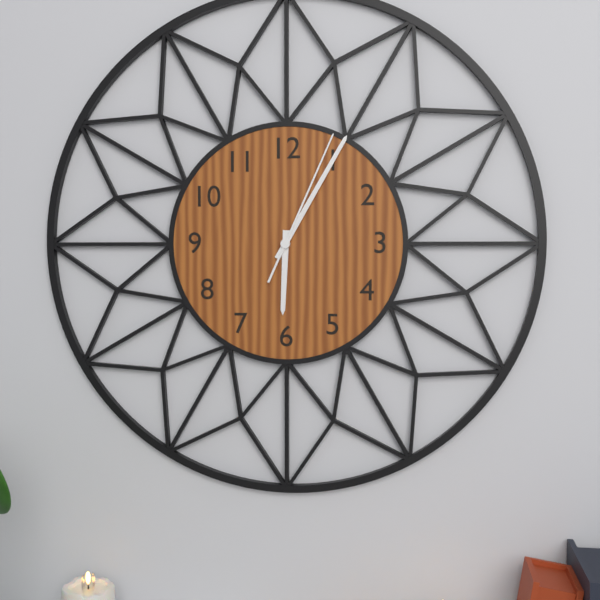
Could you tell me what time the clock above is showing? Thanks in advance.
6:05:04
